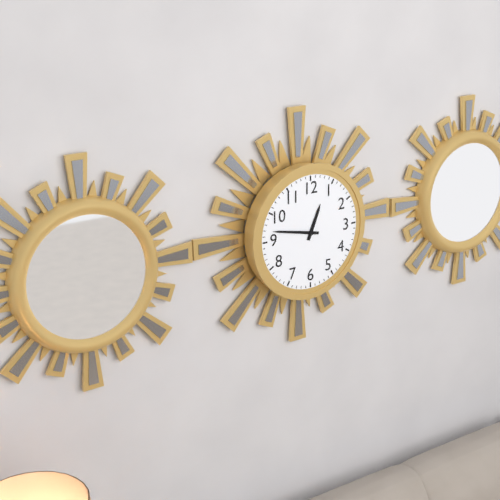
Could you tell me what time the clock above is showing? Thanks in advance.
12:47
